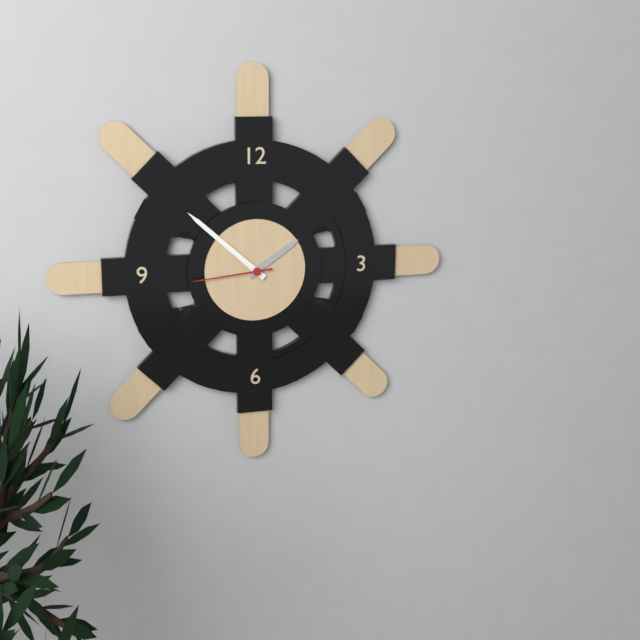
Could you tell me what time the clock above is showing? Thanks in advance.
1:52:44
